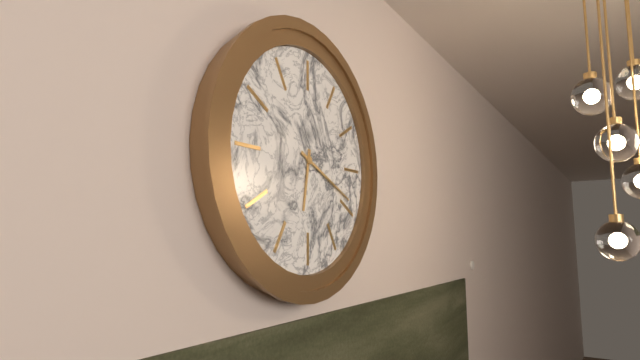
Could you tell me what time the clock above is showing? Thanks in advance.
6:19
